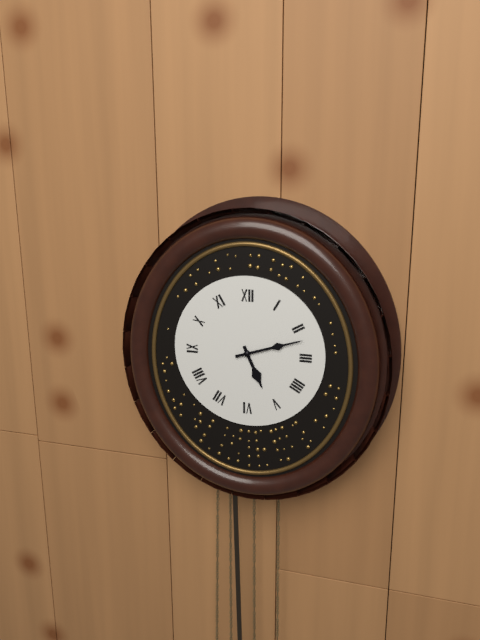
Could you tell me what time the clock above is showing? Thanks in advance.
5:12
